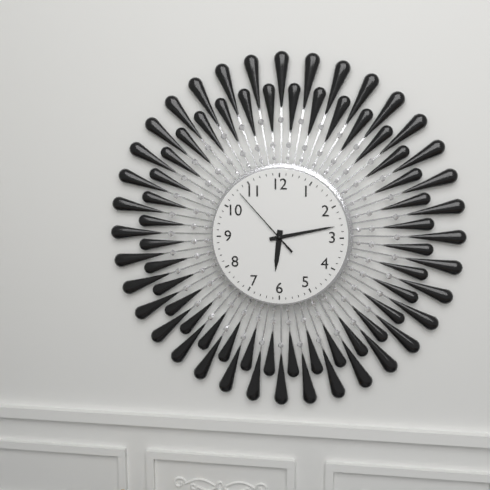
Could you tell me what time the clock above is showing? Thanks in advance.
6:13:53
